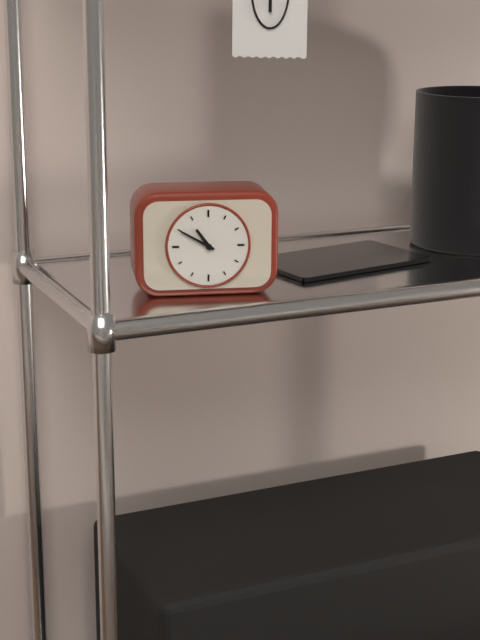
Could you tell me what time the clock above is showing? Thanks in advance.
10:50
